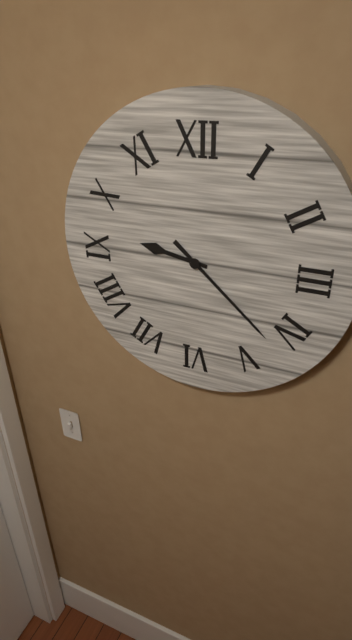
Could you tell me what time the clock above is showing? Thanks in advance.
9:22
